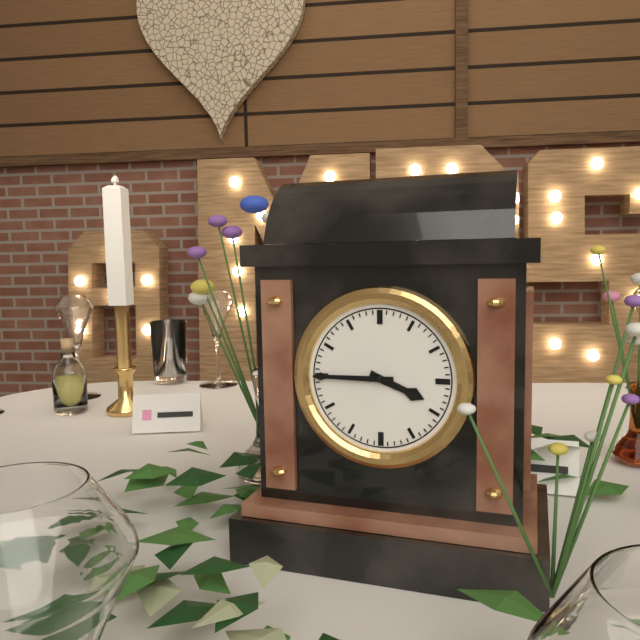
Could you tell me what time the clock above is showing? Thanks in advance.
3:45
